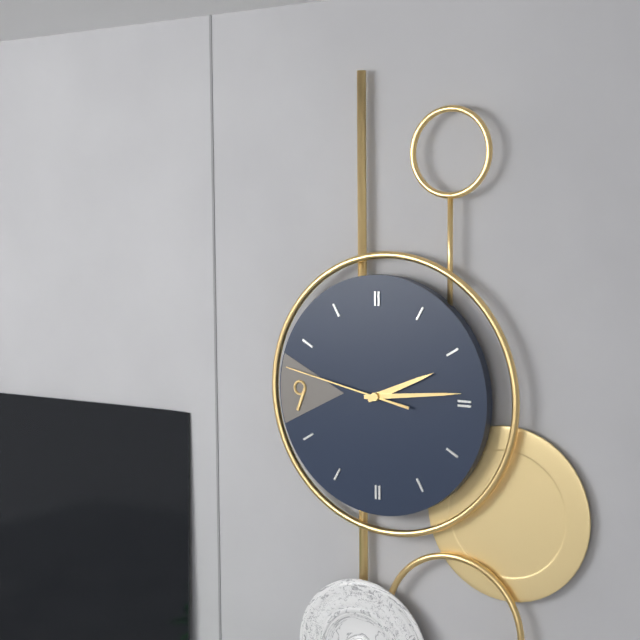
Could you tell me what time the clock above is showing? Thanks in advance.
2:14:47
